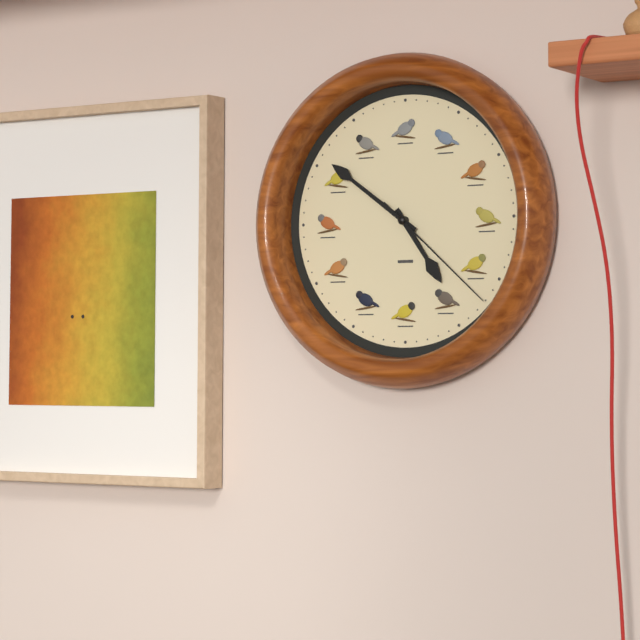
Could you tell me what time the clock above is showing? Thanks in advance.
4:51:22
